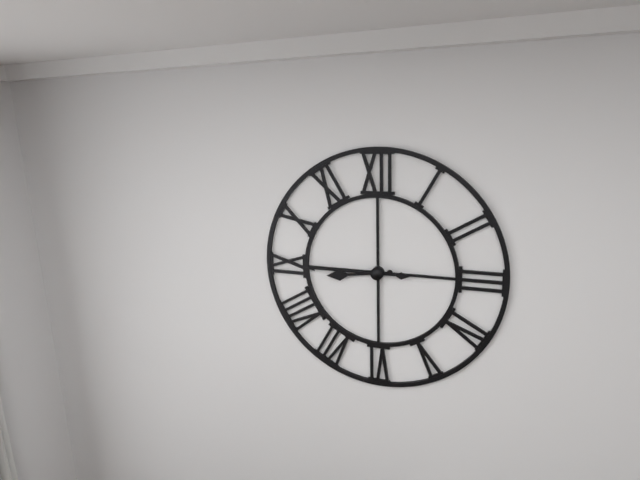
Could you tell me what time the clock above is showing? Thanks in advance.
8:45
